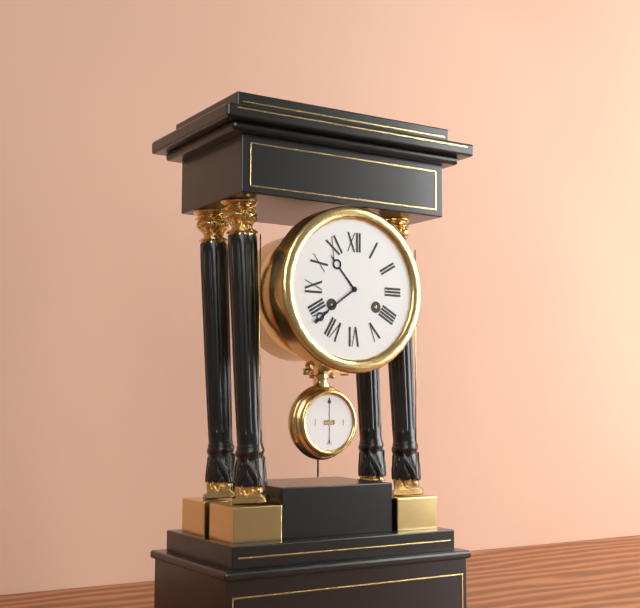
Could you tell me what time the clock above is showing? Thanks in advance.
10:39
